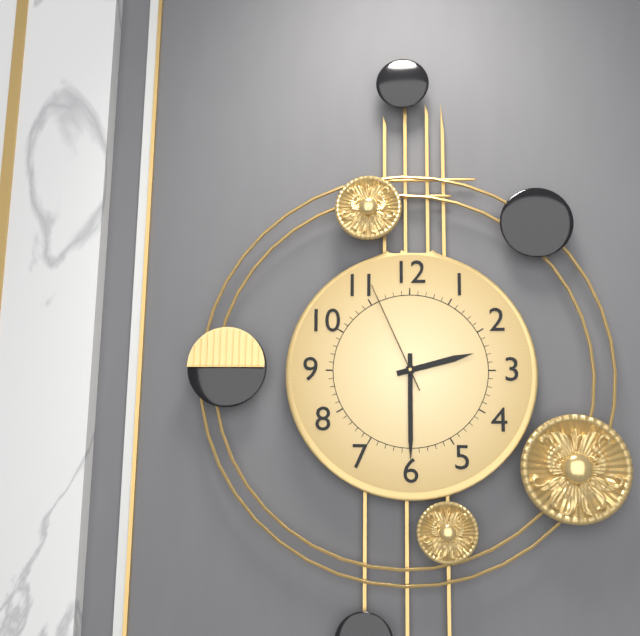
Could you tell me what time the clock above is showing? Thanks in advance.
2:30:56
